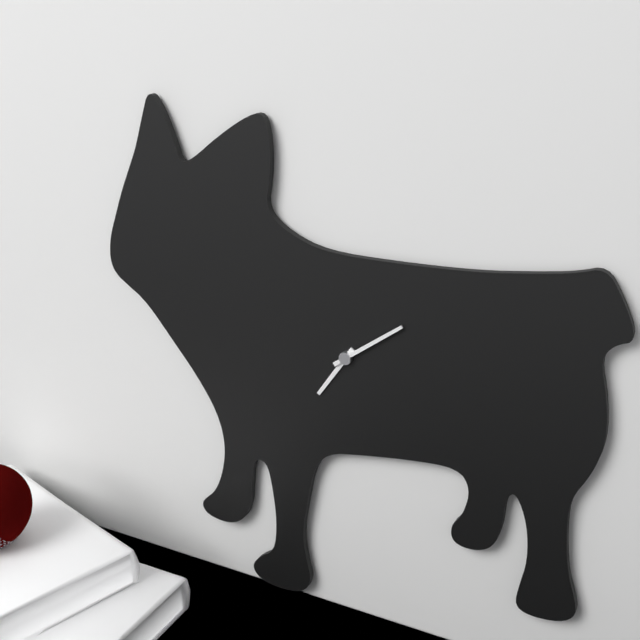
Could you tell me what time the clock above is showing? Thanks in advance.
7:09
